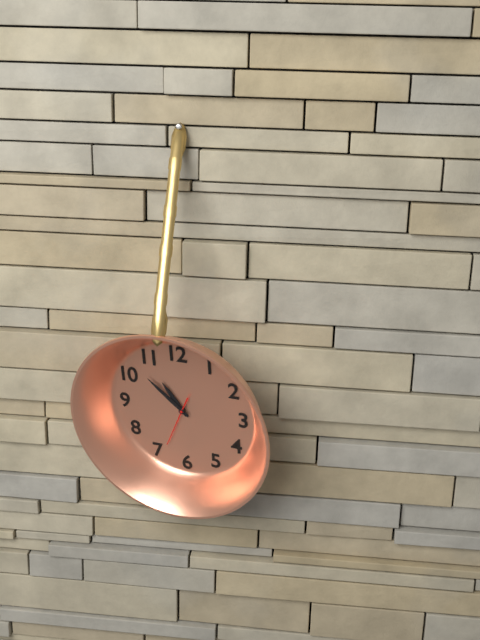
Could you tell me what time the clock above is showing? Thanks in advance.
10:52
